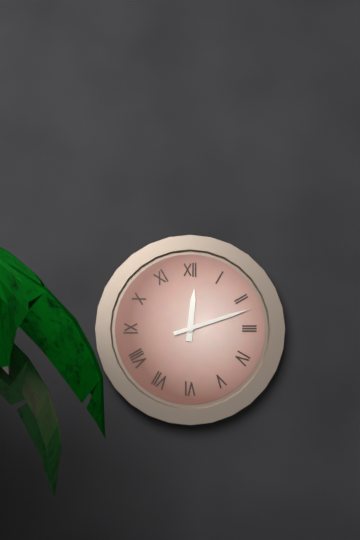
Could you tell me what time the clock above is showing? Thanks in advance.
12:12
